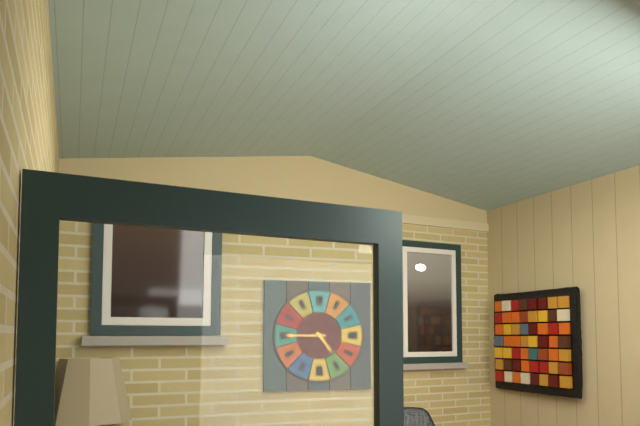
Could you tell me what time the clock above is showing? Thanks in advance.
4:45
